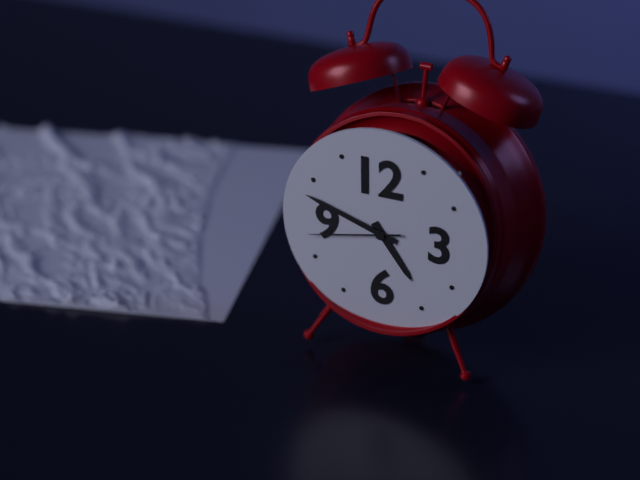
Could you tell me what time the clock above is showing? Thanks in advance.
4:48:43
